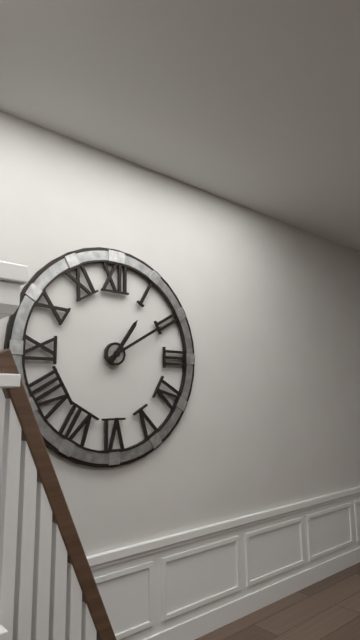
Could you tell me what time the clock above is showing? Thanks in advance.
1:10
